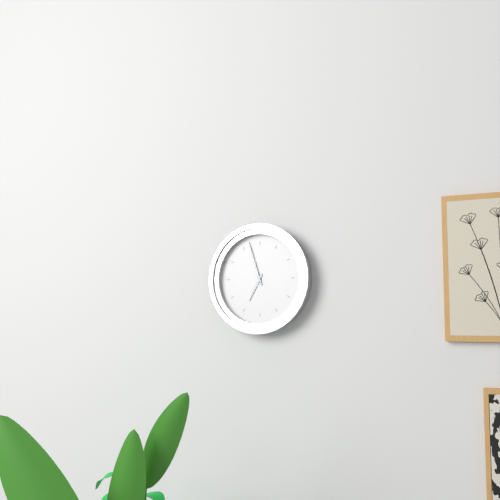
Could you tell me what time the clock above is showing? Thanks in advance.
6:57
